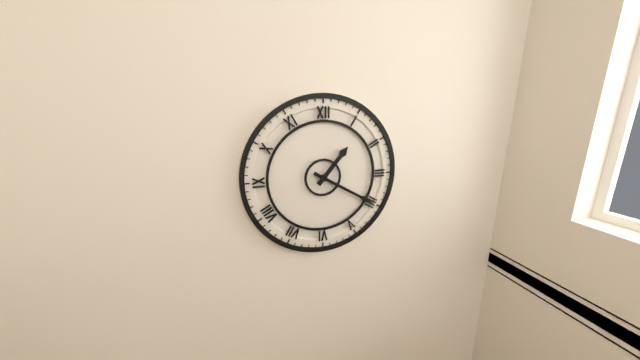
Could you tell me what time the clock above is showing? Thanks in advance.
1:20
